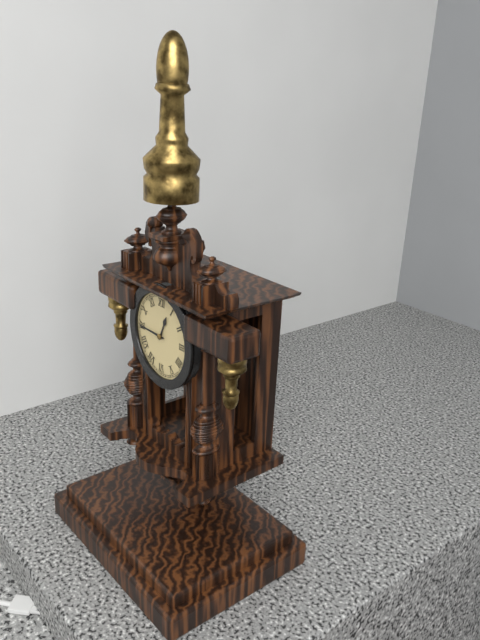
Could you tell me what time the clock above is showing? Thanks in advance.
12:45
